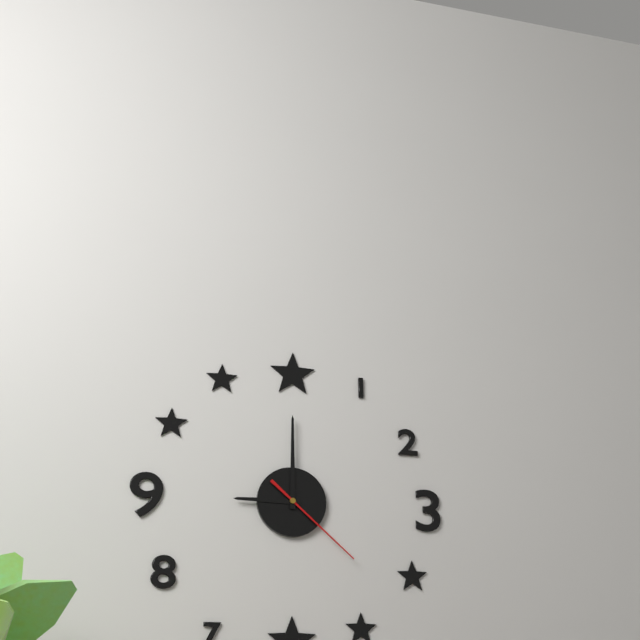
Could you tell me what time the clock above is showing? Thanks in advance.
9:00:22
